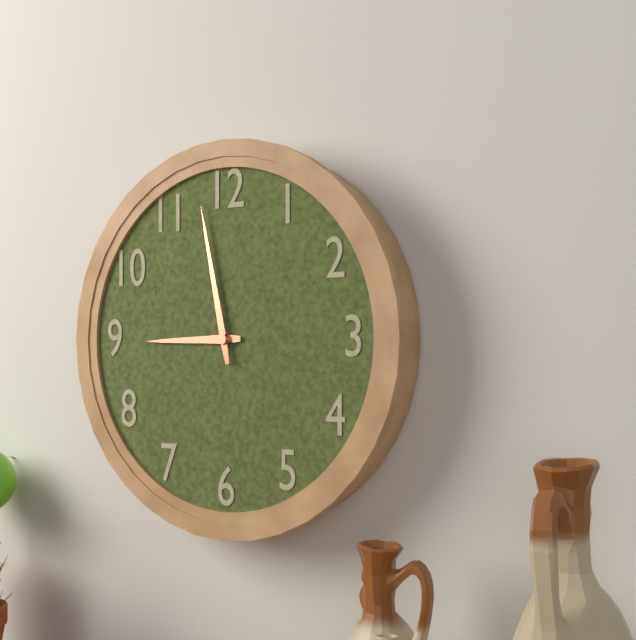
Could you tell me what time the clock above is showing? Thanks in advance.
8:58
